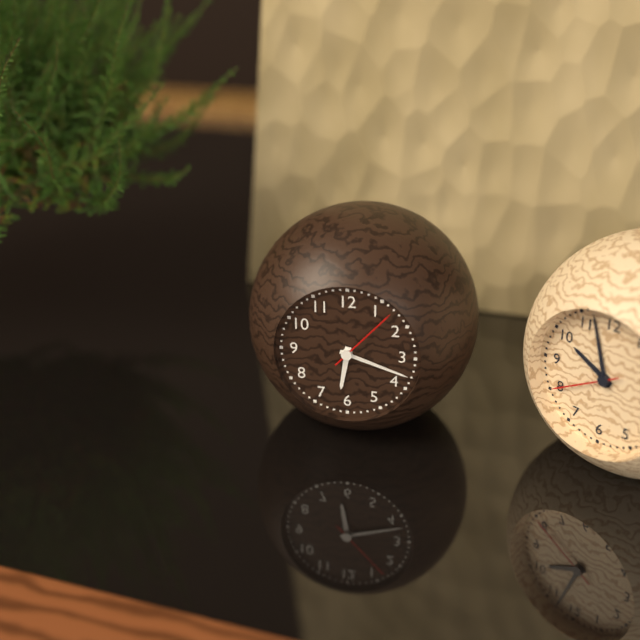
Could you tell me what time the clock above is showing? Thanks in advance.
6:18:07
